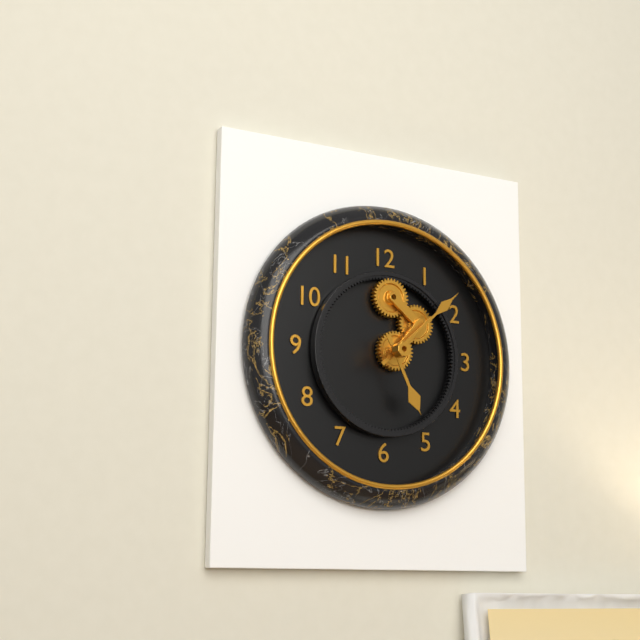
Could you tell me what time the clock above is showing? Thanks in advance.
5:08
